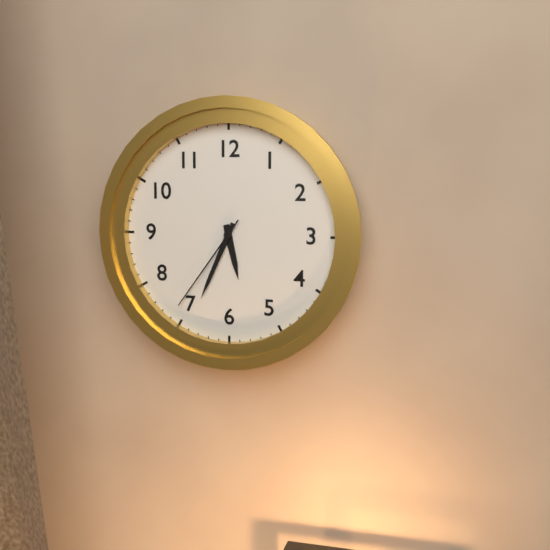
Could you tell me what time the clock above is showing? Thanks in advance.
5:34:36
